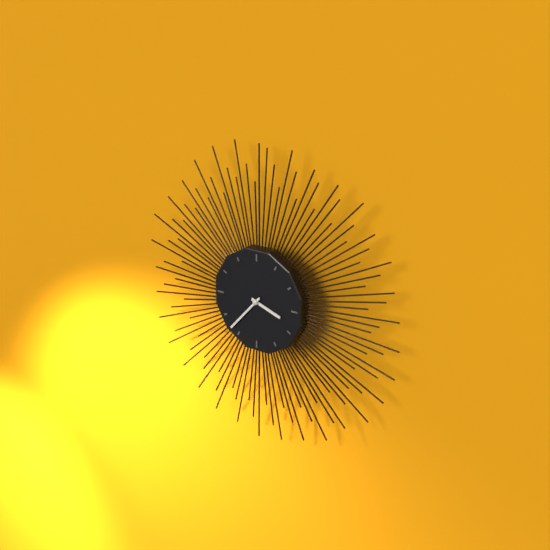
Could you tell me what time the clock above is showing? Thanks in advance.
3:37
